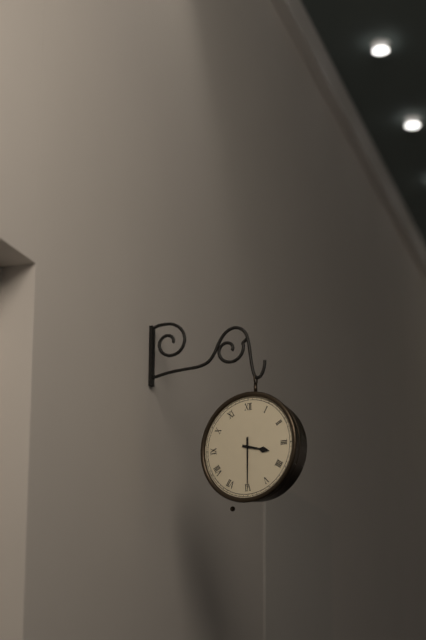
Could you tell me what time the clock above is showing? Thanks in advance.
3:30
